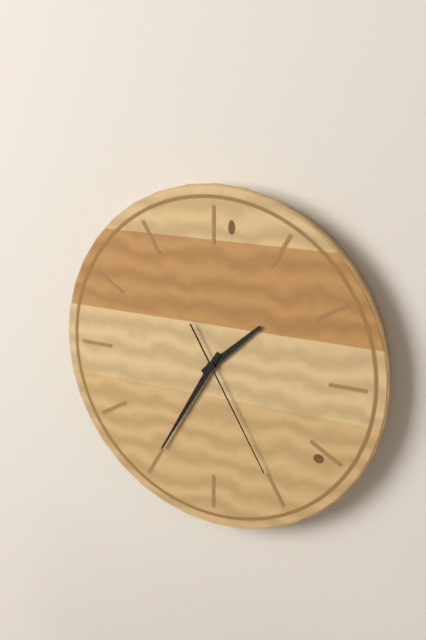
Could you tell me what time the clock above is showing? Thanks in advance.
1:35:25
